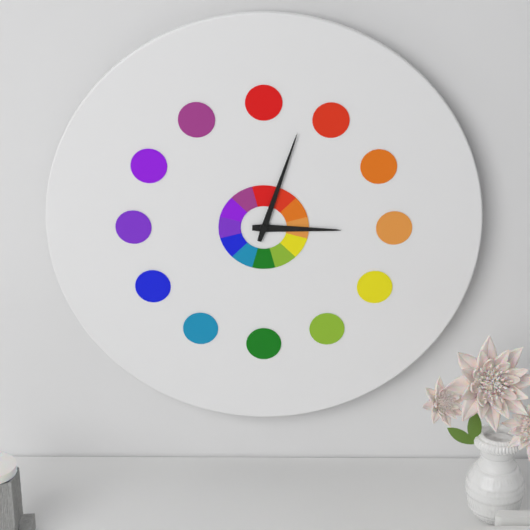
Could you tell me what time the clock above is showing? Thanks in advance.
3:03
